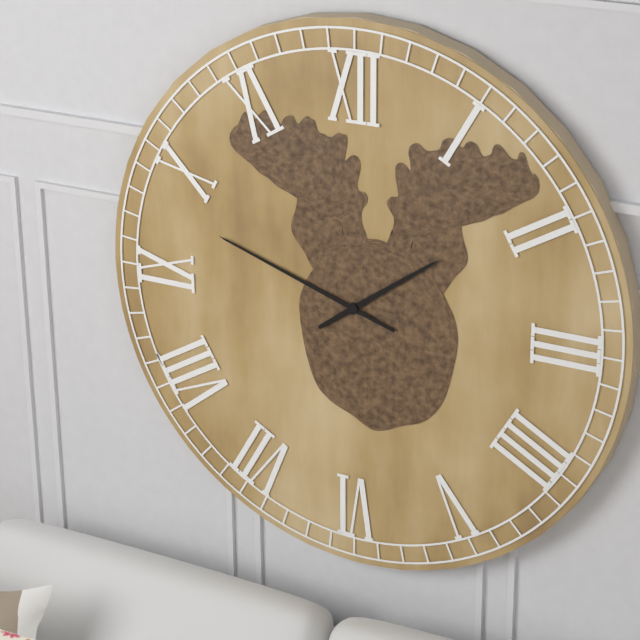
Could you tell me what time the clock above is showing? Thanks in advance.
1:48
